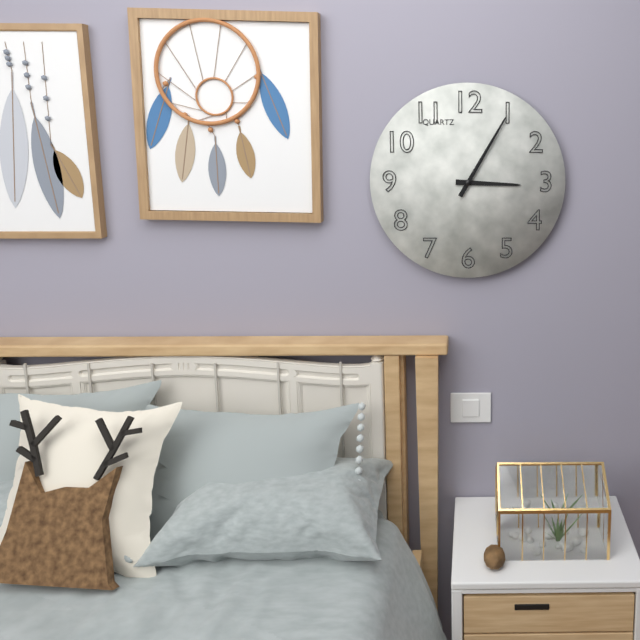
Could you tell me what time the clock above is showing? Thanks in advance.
3:05
